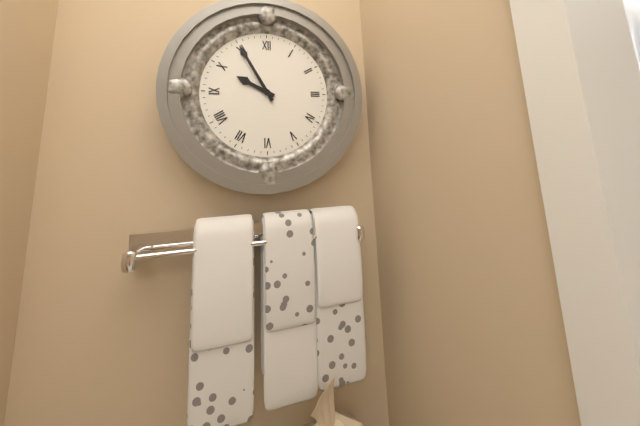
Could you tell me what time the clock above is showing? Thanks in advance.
9:55
